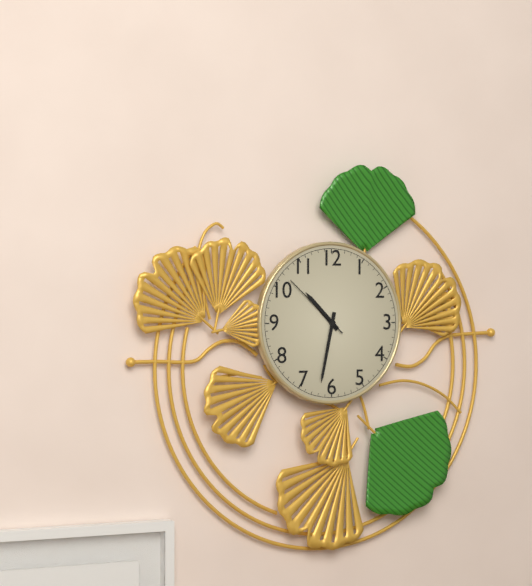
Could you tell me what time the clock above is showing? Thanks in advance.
10:32:52
